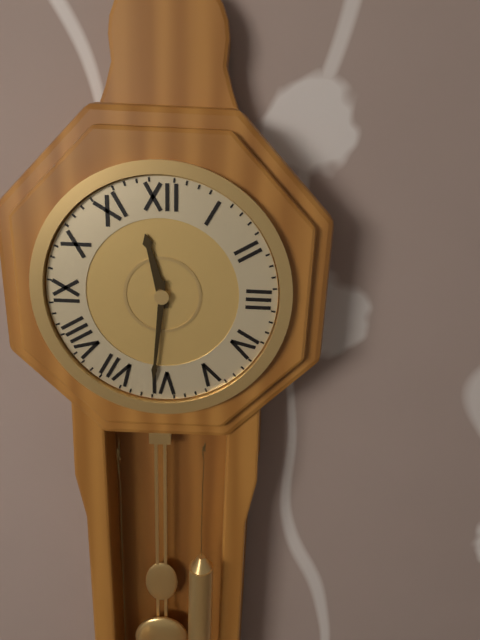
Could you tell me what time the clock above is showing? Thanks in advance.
11:31
